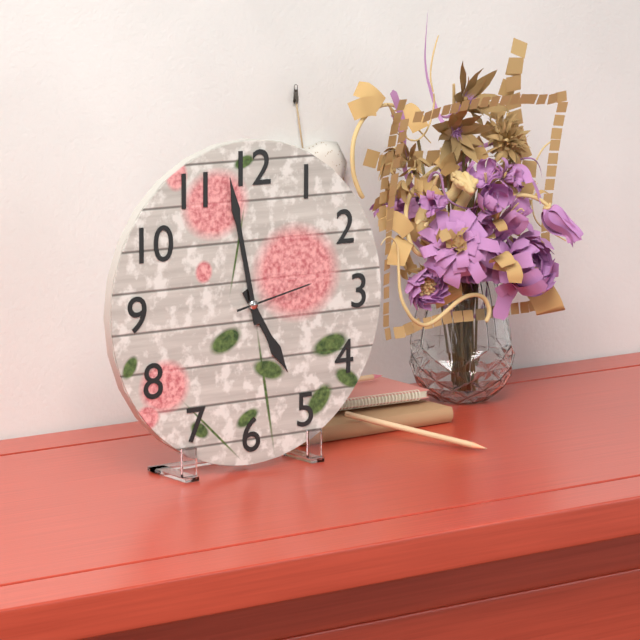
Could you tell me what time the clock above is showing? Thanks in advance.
4:58:13
